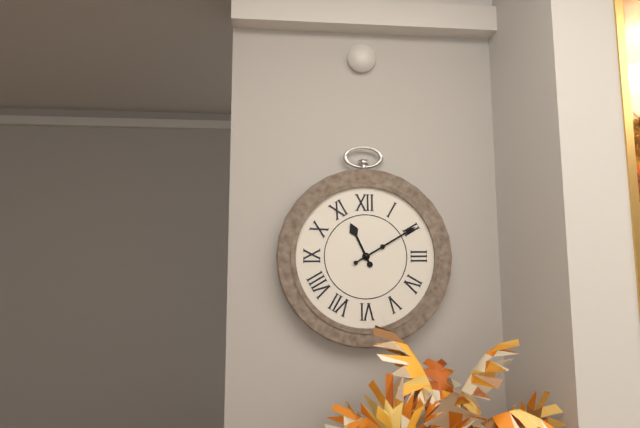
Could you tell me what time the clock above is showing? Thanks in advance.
11:10
